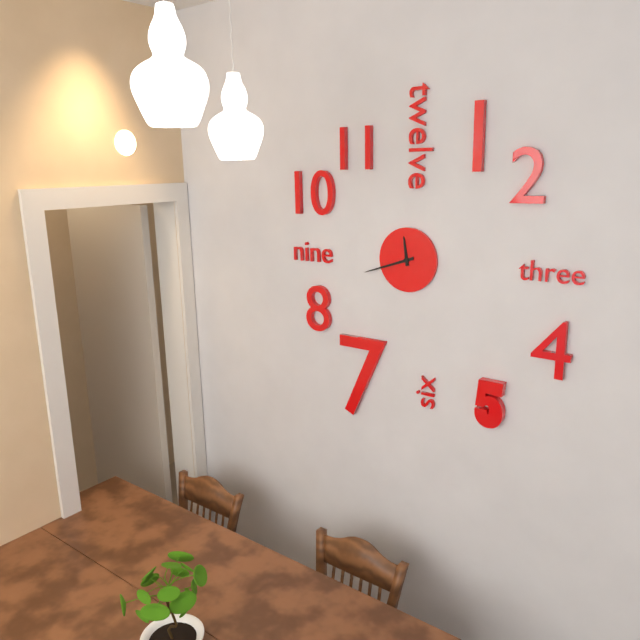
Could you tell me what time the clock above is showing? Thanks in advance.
11:42
